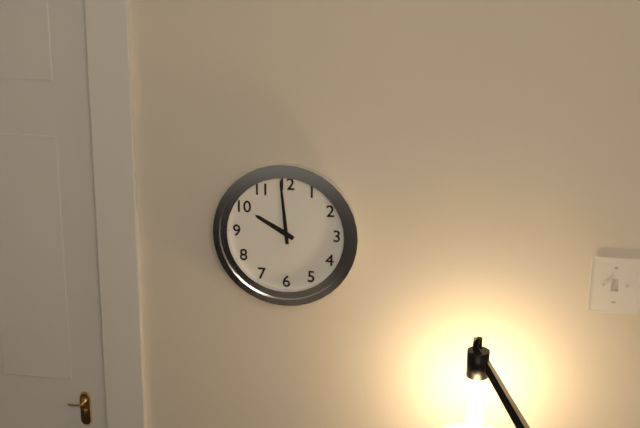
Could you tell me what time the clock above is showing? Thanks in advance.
9:59
